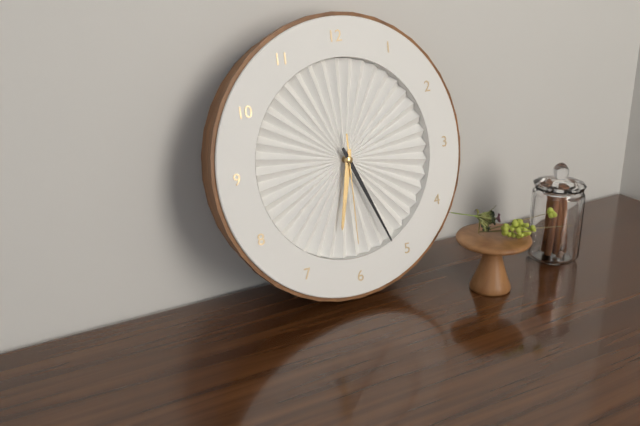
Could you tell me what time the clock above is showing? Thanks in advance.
6:26:30
